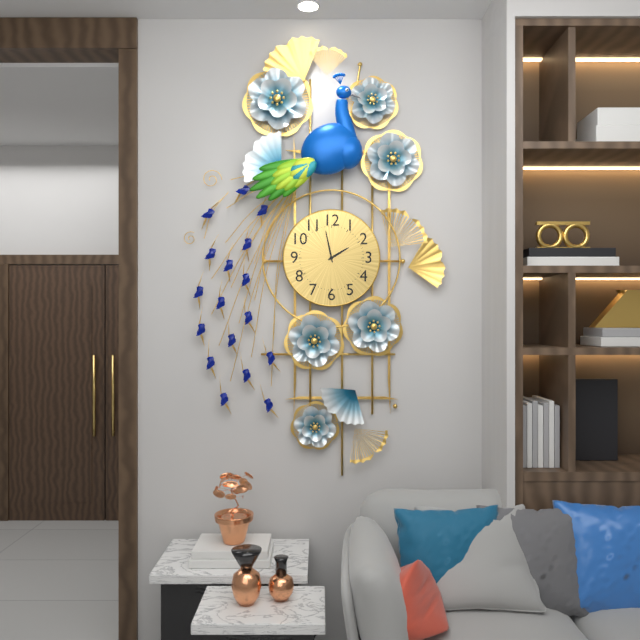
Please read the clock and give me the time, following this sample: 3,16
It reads 1,58
